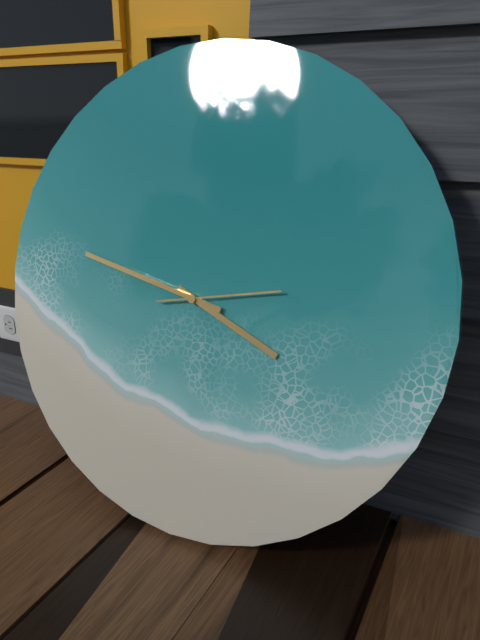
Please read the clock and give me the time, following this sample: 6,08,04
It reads 3,47,13
